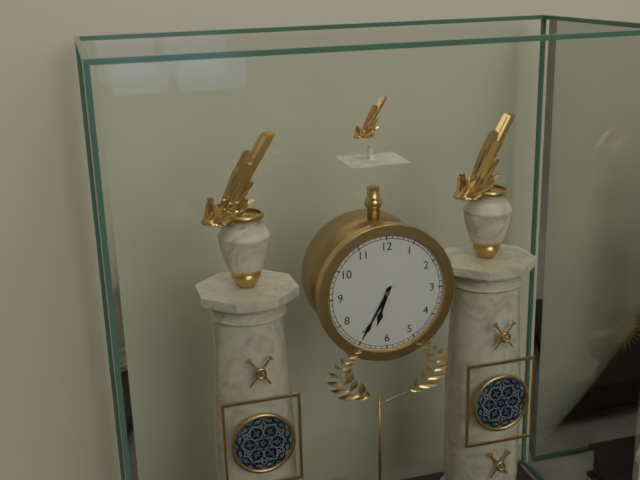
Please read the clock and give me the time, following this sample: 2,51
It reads 6,35
